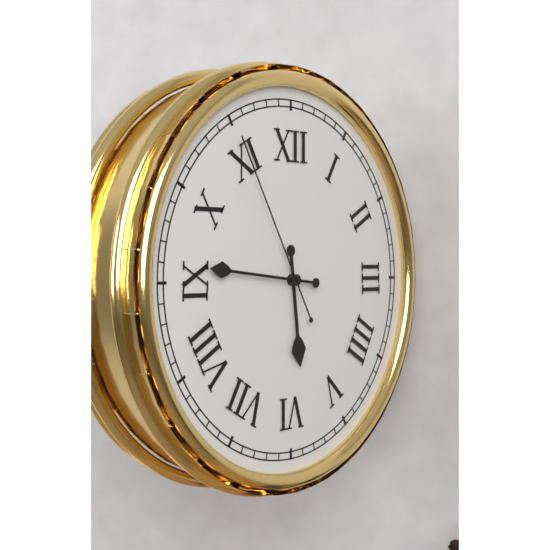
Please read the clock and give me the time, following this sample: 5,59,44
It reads 5,46,55
